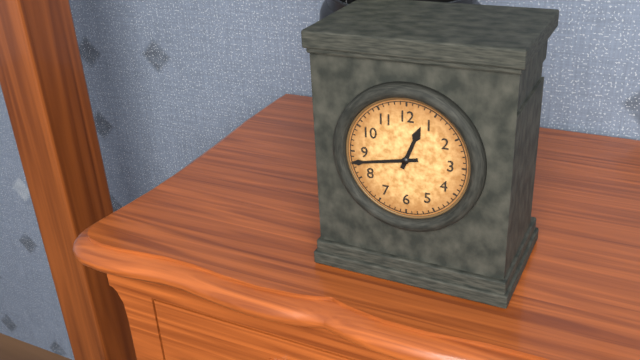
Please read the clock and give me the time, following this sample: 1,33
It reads 12,43
